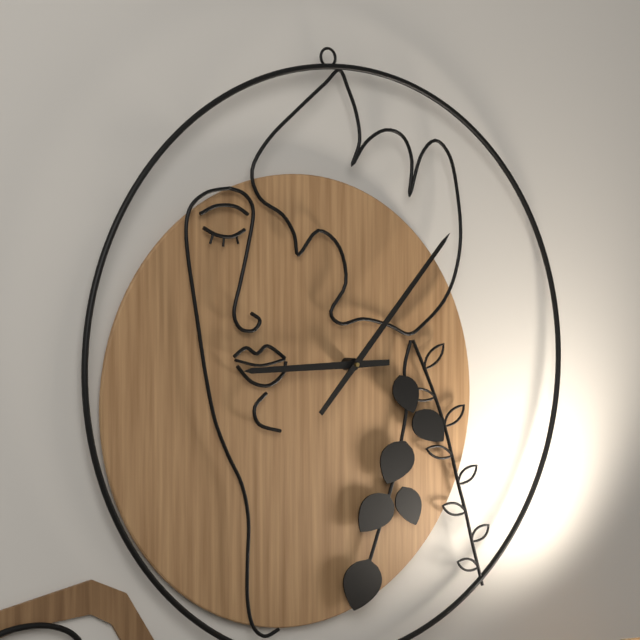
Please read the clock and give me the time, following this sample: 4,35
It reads 9,08
